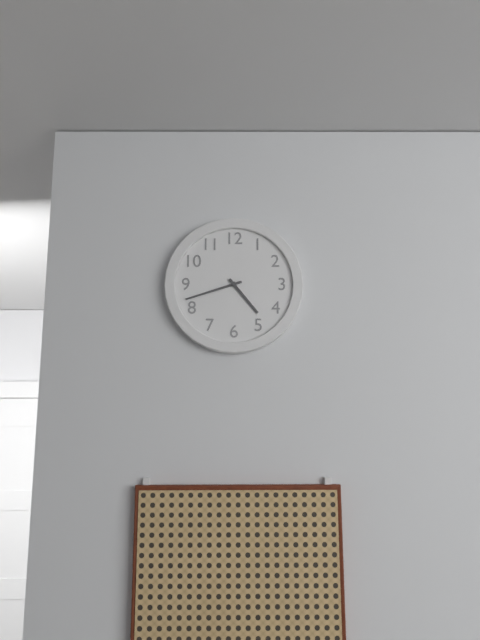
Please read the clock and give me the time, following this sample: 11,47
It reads 4,42
